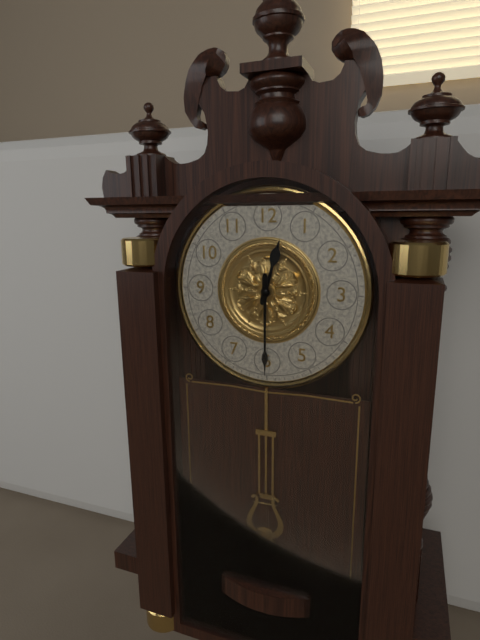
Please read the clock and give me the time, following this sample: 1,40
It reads 12,30
